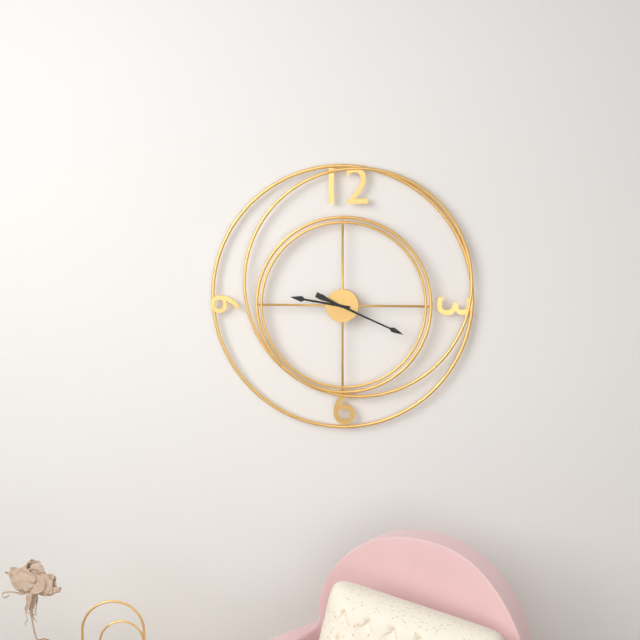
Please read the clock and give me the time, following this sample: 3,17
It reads 9,19
